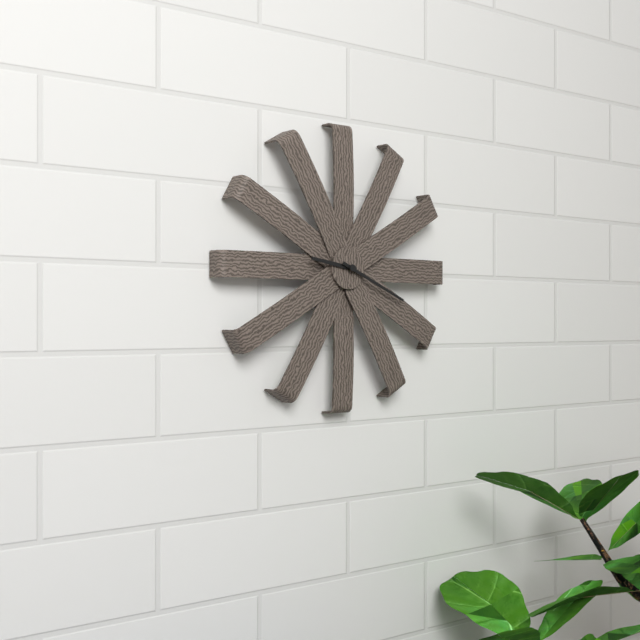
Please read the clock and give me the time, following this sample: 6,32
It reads 9,19
